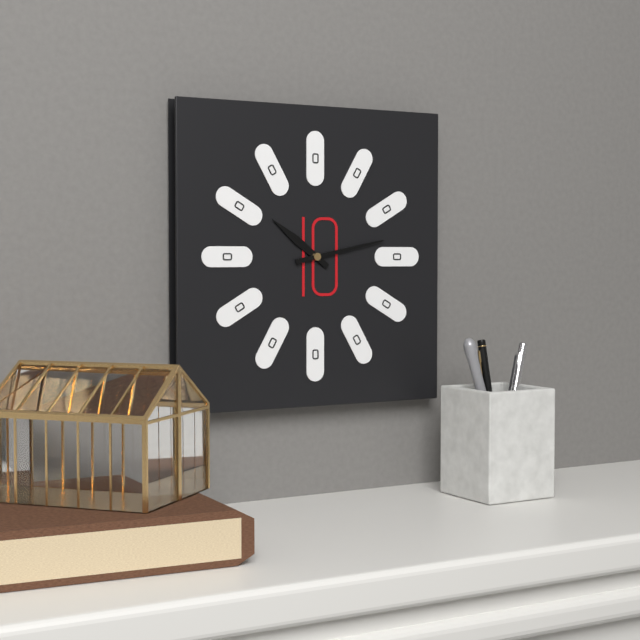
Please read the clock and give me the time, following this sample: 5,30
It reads 10,13
